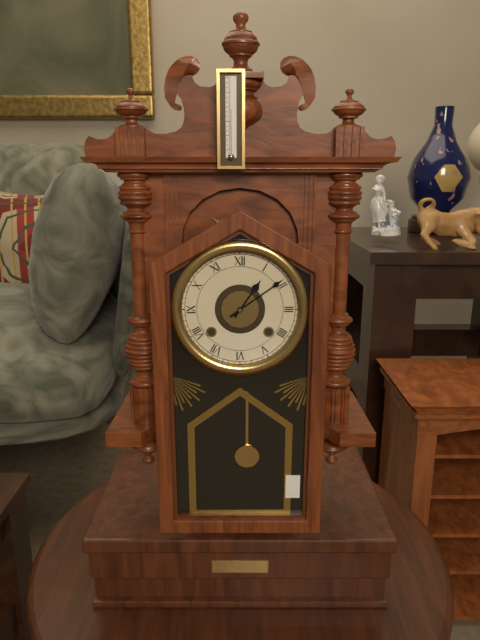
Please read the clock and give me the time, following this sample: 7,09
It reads 1,09
